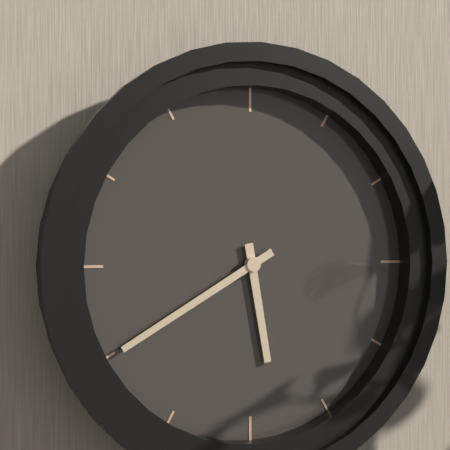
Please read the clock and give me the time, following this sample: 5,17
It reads 5,40
